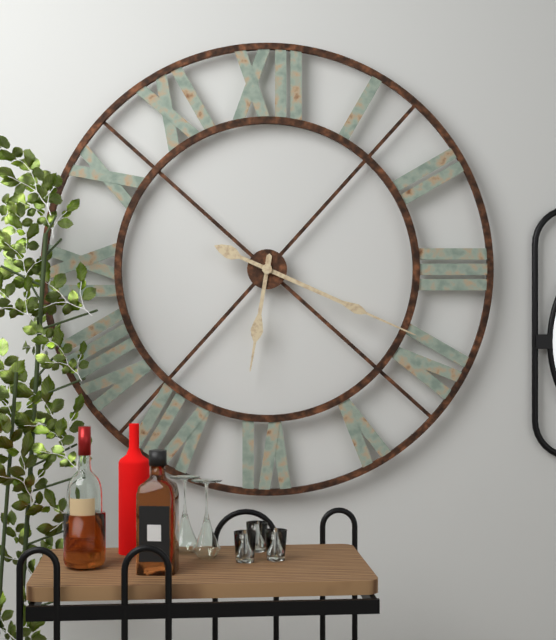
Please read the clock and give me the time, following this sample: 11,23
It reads 6,19
